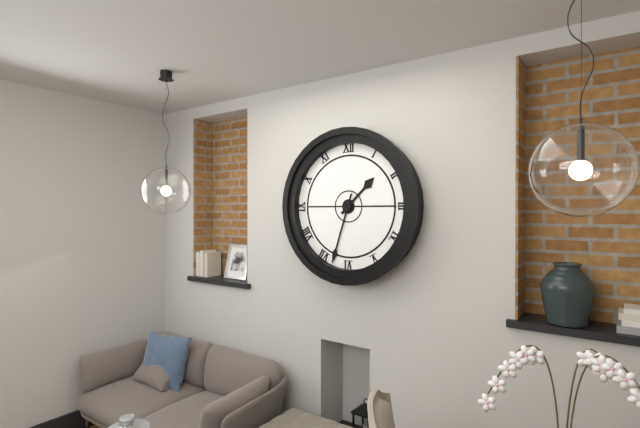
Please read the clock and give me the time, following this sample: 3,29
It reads 1,33
